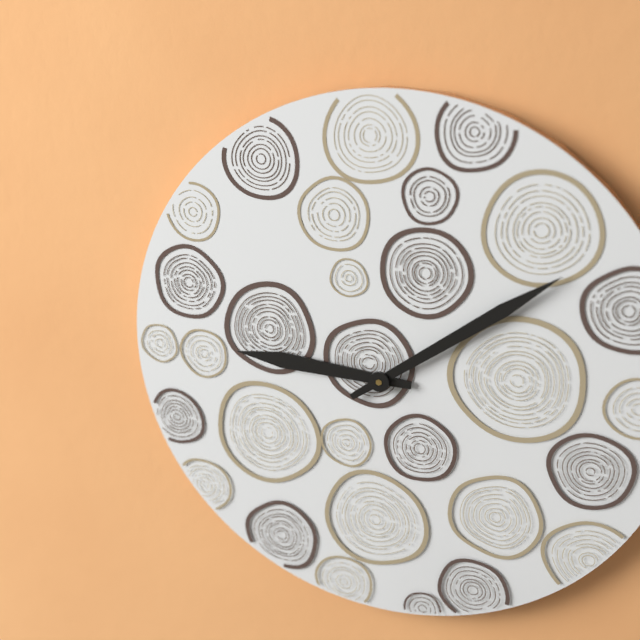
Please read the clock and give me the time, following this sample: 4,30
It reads 9,09
